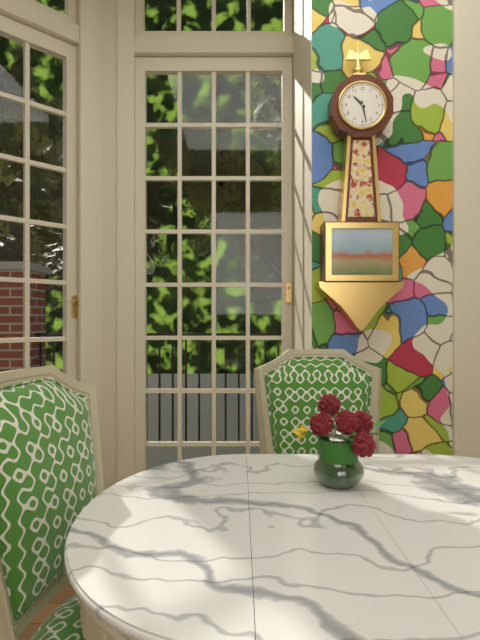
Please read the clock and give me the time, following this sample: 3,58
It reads 10,28
